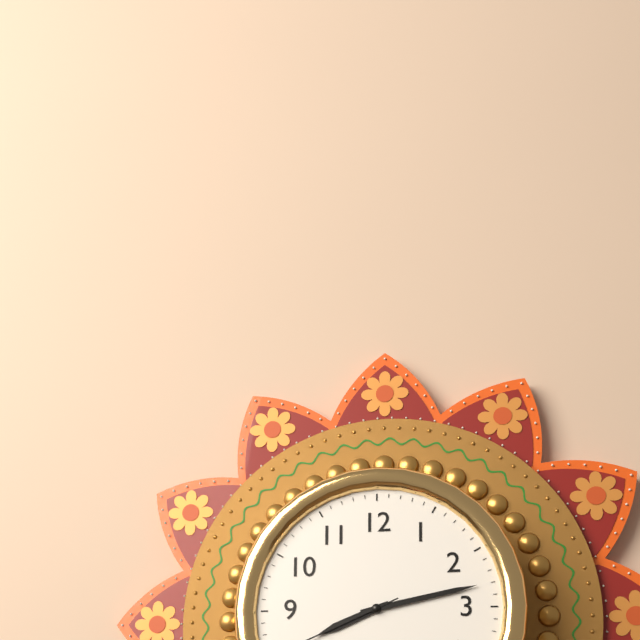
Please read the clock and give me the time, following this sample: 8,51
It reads 8,13
